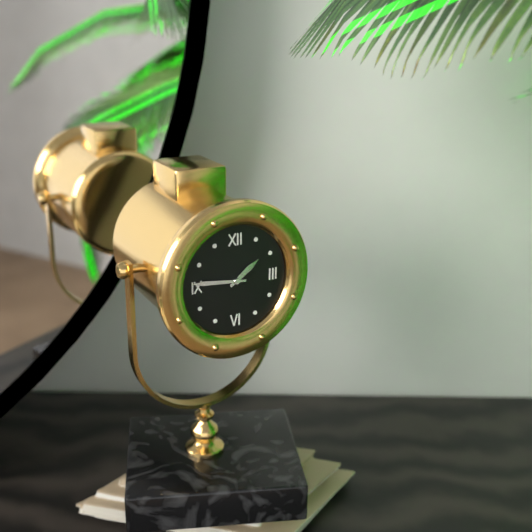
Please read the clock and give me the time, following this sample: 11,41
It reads 1,46
